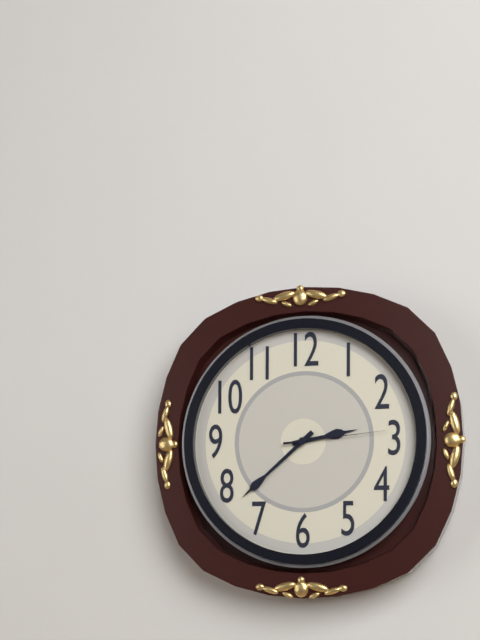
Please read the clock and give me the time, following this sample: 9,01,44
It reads 2,38,14
